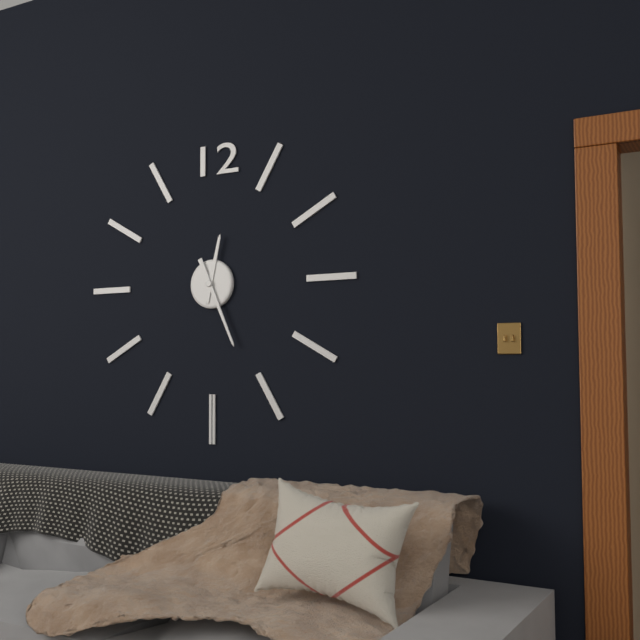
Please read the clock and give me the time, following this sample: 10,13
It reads 12,26
